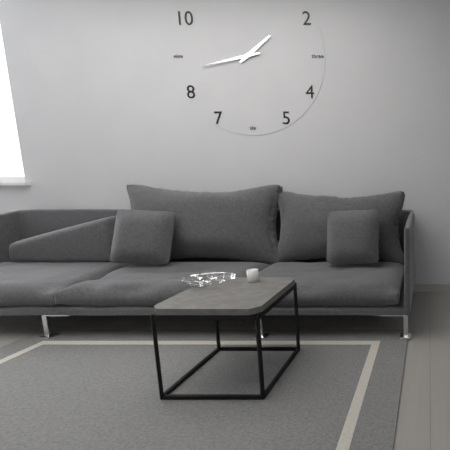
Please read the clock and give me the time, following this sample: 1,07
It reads 1,43
